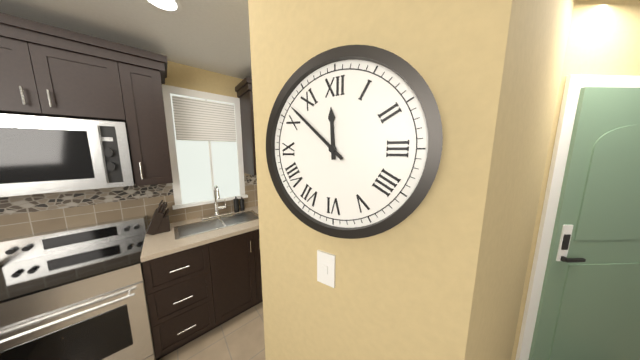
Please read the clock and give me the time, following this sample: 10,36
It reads 11,52
